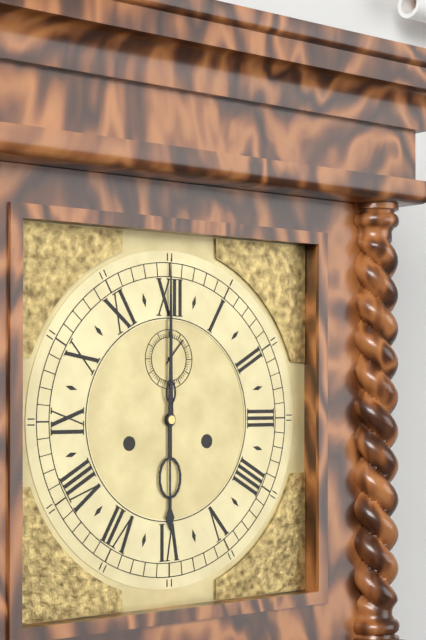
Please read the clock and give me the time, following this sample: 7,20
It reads 6,00
